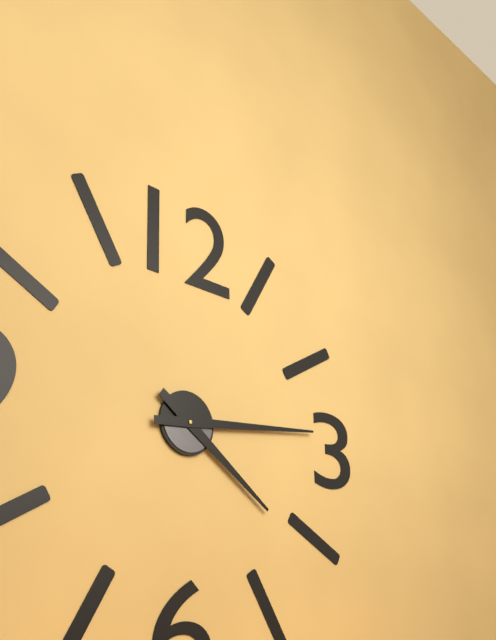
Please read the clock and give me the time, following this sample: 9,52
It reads 4,14
